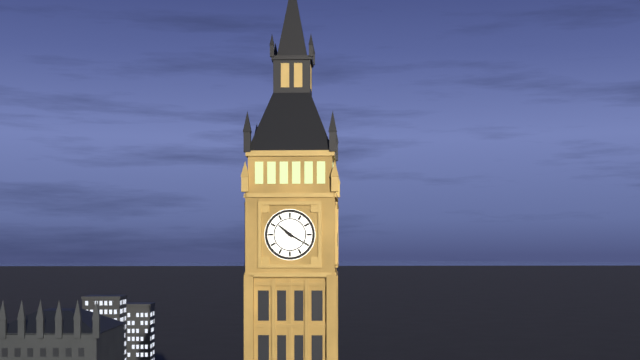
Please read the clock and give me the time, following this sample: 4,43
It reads 10,20
